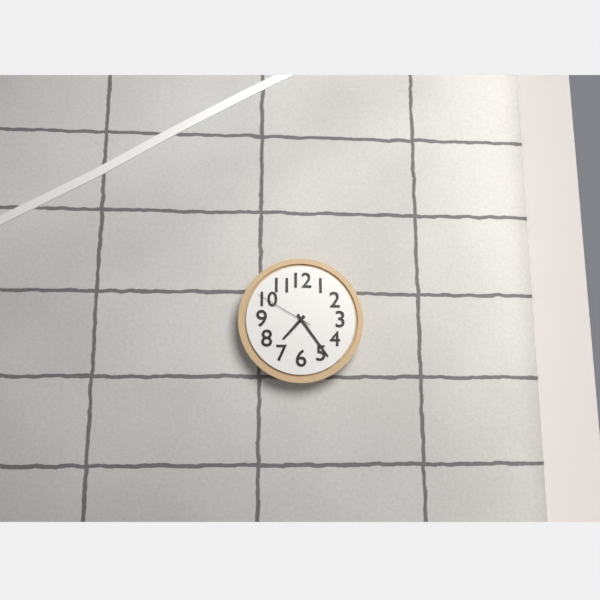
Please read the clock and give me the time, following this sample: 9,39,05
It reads 7,24,50
